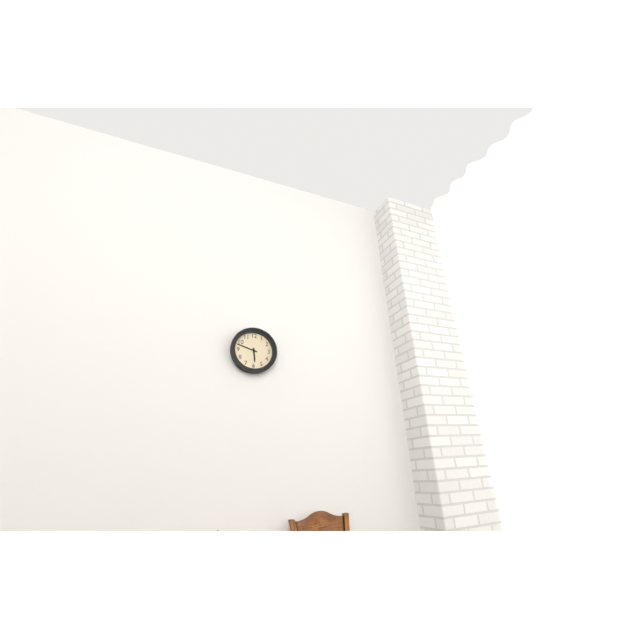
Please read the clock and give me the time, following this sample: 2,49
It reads 5,48
